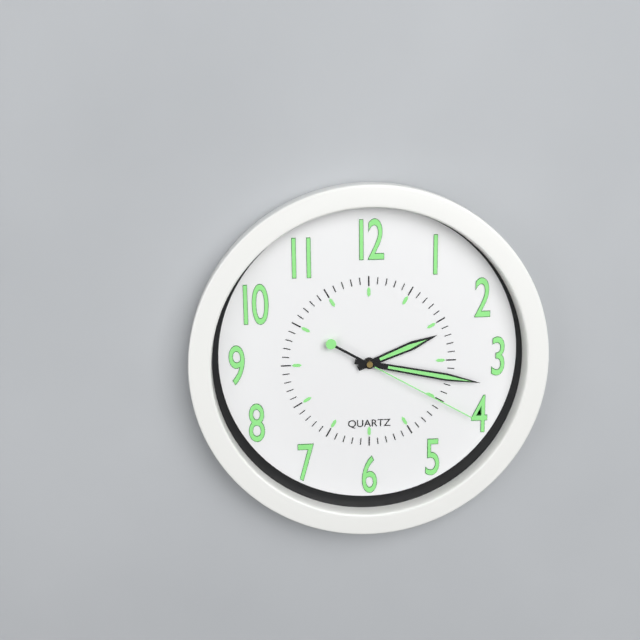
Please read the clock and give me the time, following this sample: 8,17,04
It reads 2,17,20
